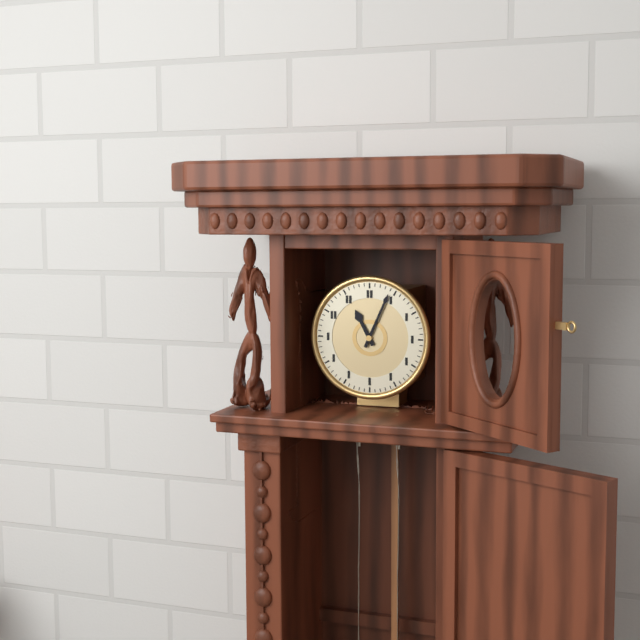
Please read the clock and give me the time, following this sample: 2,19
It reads 11,04
